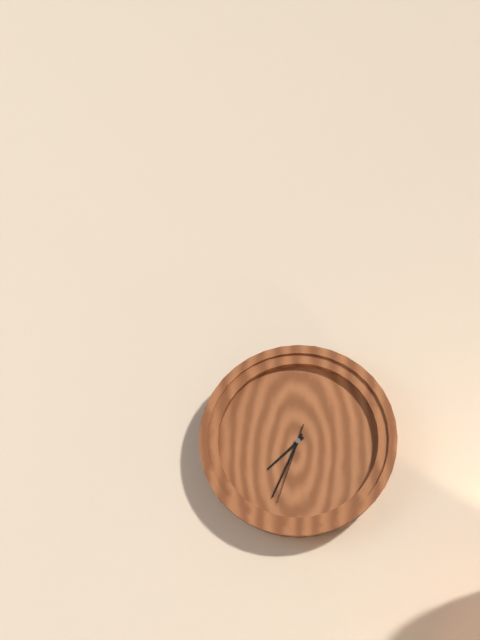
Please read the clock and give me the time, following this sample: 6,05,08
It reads 7,34,33
